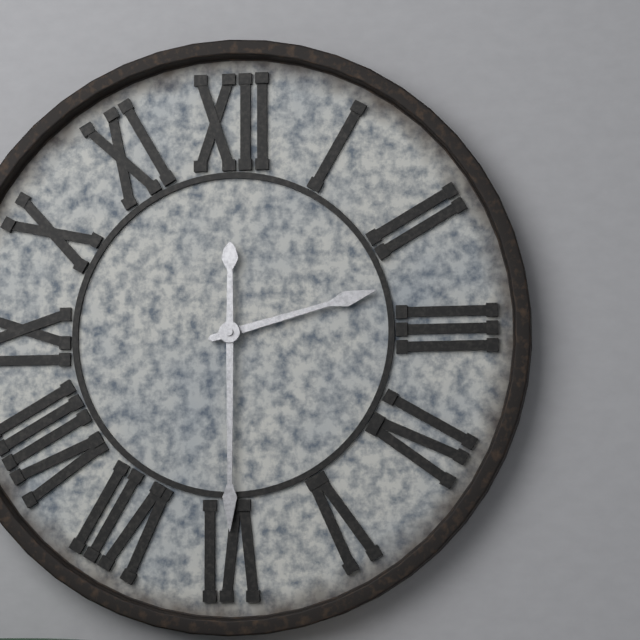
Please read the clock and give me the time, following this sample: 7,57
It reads 2,30
